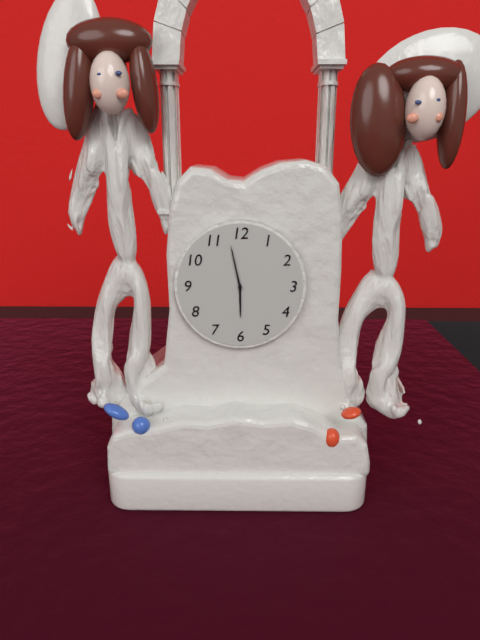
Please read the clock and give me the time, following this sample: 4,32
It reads 5,58
